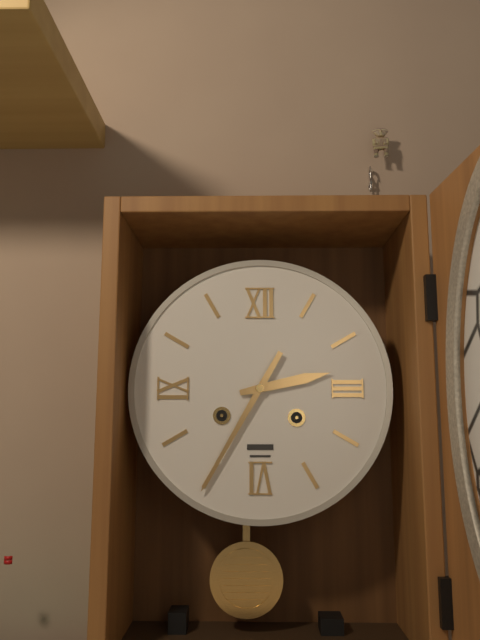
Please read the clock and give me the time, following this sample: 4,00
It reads 2,35
